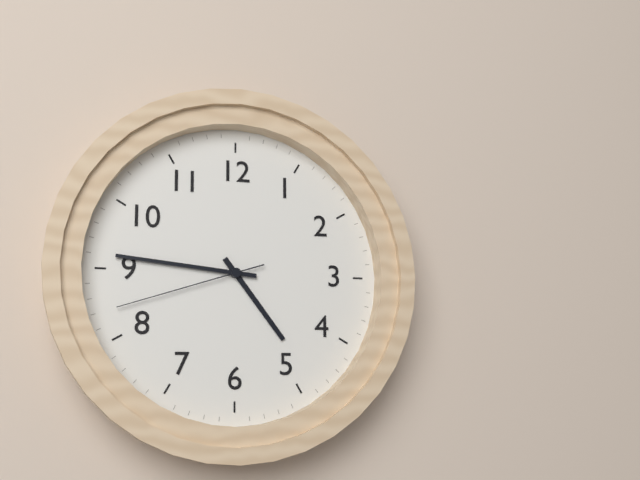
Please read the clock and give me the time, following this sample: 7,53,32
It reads 4,46,42
